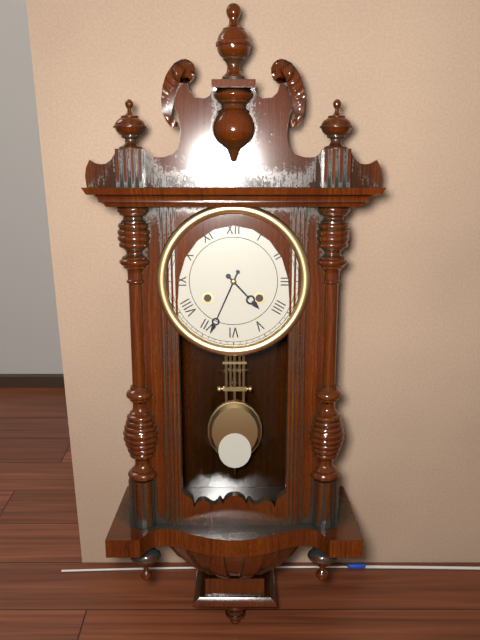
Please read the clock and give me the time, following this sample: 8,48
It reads 4,34
